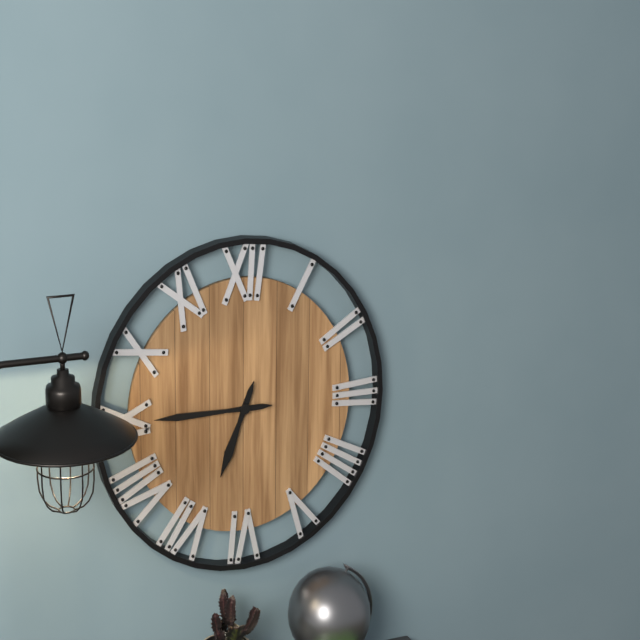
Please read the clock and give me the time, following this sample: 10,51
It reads 6,45
